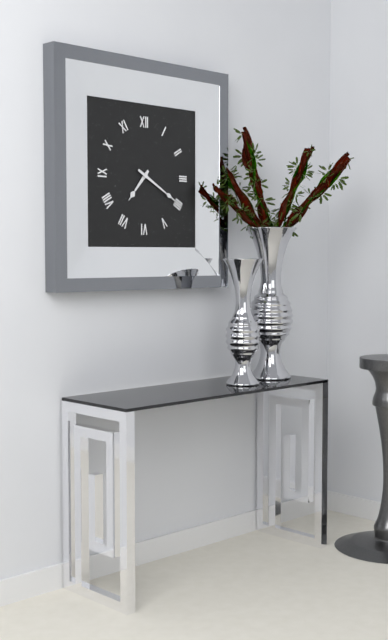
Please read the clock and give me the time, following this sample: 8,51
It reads 7,20
